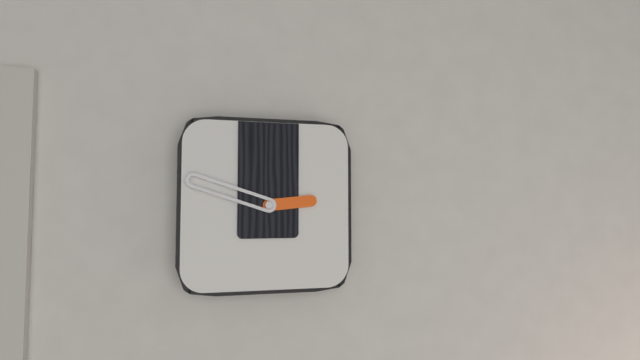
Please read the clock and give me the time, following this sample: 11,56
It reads 2,48
